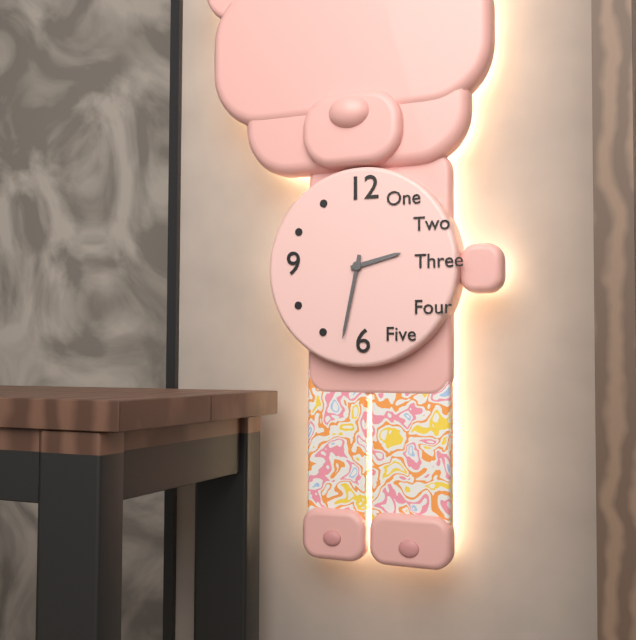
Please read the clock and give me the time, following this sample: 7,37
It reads 2,32
